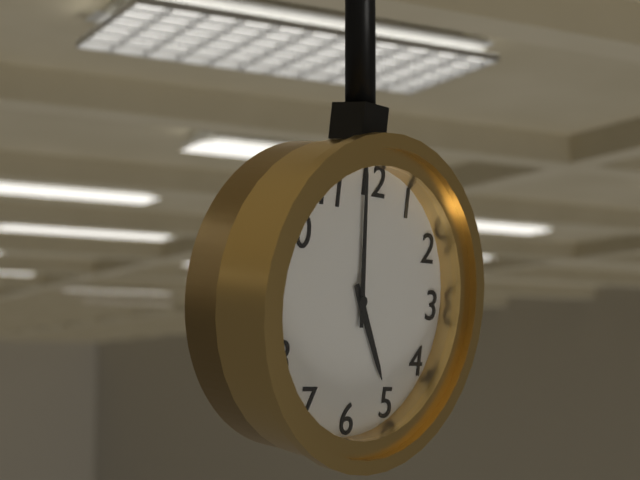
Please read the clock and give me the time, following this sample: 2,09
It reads 4,59
